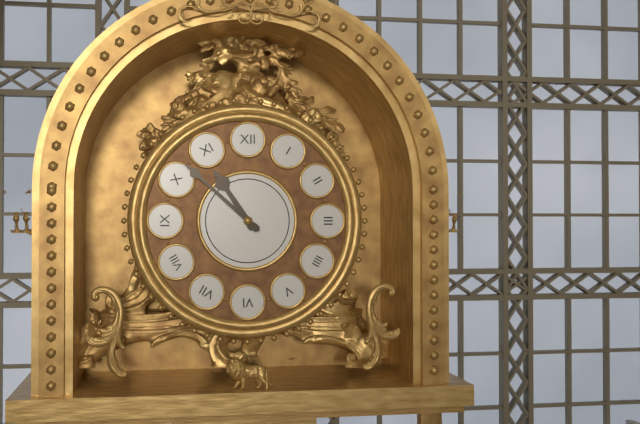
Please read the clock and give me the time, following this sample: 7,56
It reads 10,52
